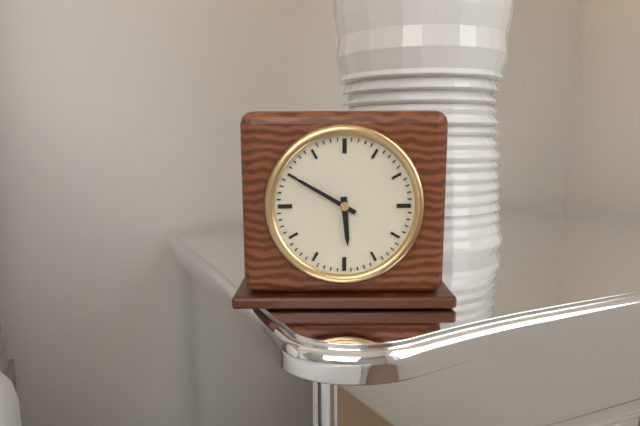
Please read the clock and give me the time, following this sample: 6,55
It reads 5,50
